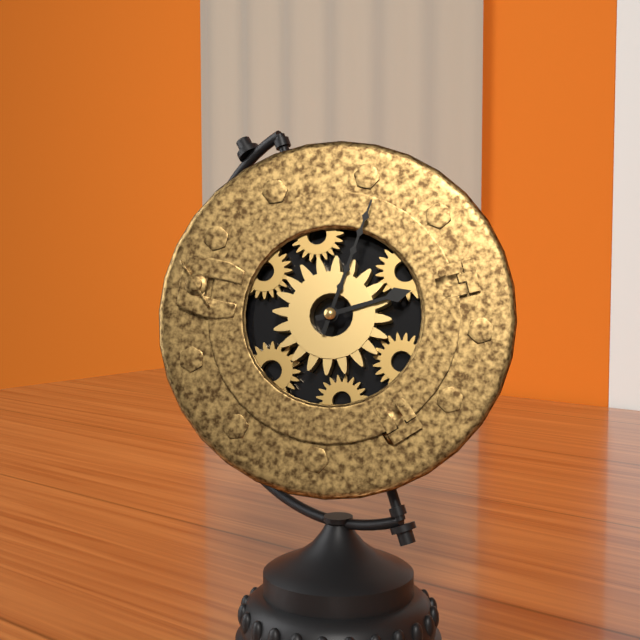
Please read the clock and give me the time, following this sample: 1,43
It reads 2,01
